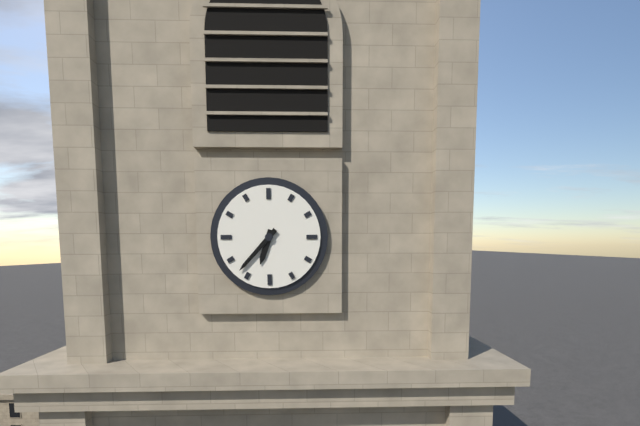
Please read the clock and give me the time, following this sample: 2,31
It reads 6,37
